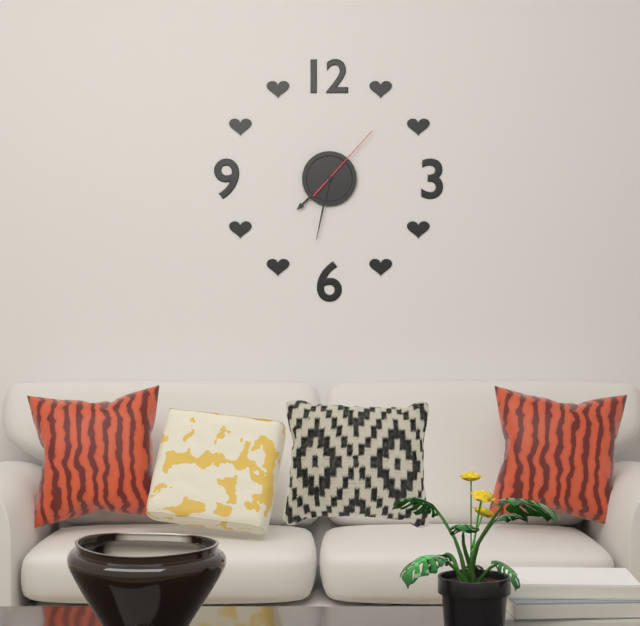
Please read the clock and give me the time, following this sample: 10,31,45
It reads 7,32,07
